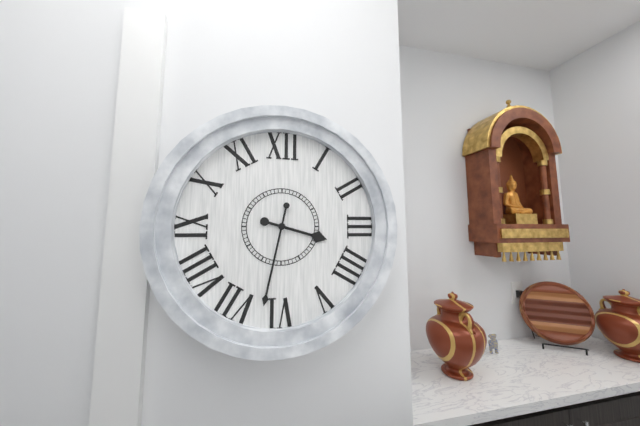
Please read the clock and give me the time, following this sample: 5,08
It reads 3,32
